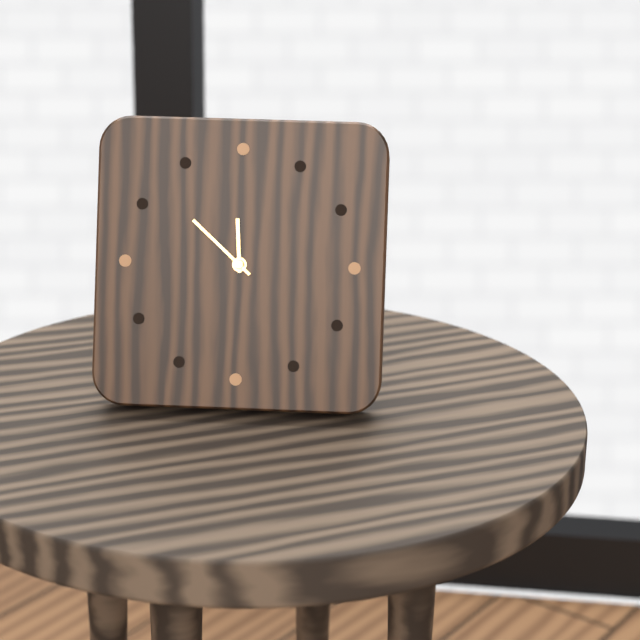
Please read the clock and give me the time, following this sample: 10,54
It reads 11,52
